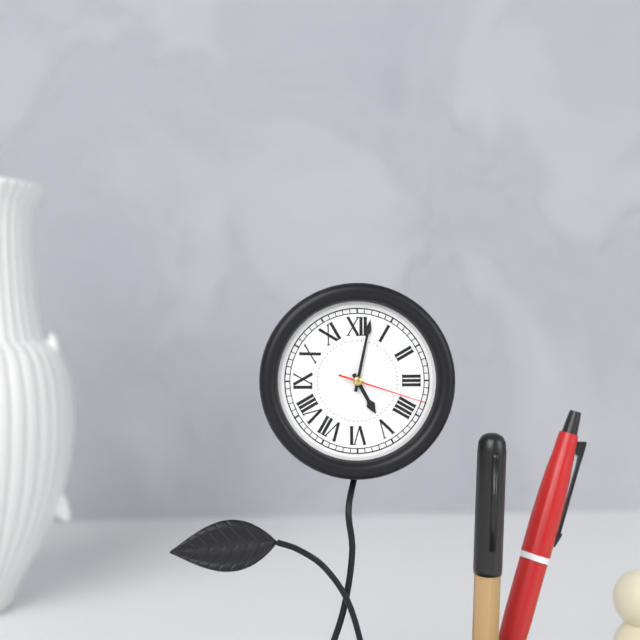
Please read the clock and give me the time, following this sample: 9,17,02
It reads 5,02,18
